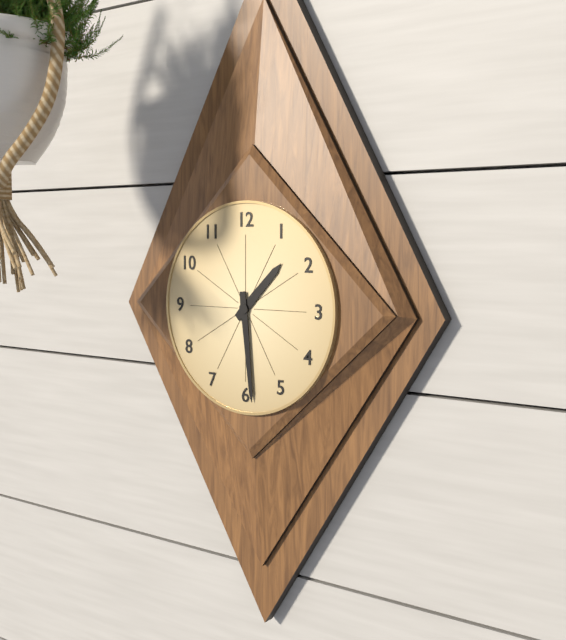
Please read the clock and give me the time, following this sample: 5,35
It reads 1,29
